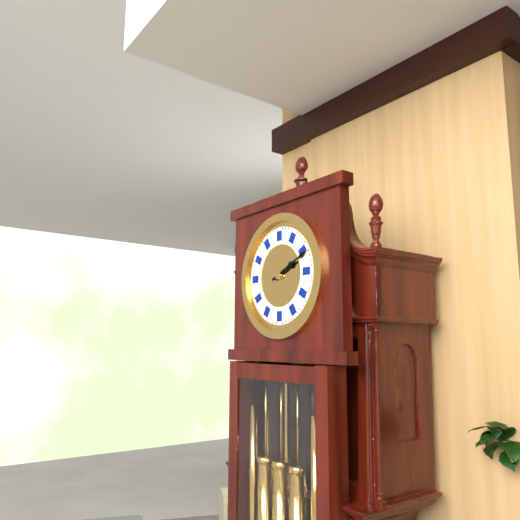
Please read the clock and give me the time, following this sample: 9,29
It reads 2,11
